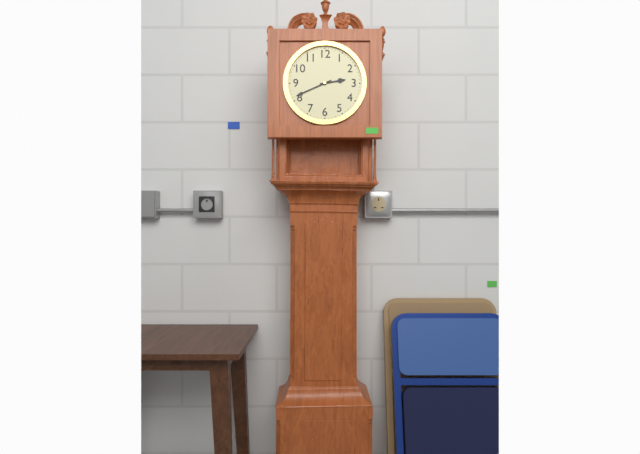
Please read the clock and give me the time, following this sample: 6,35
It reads 2,41
